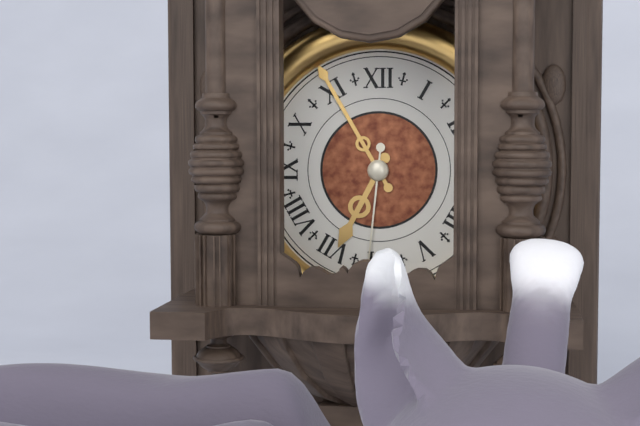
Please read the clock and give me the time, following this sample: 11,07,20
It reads 6,55,31
